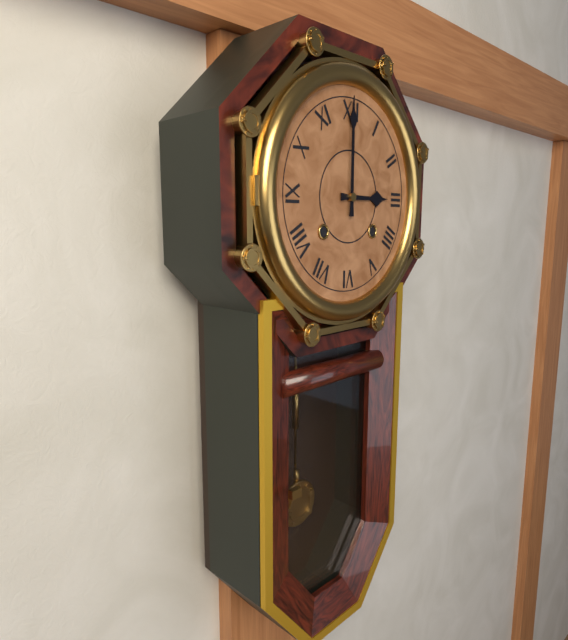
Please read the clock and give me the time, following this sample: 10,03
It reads 3,00
